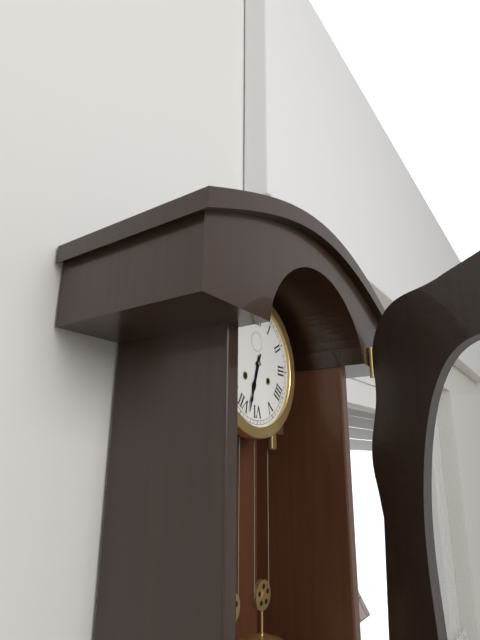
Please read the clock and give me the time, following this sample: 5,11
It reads 6,33
